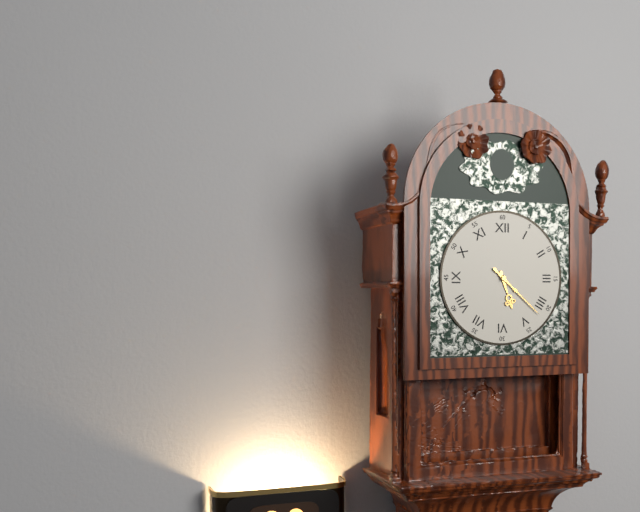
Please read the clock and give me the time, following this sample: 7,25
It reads 5,22
